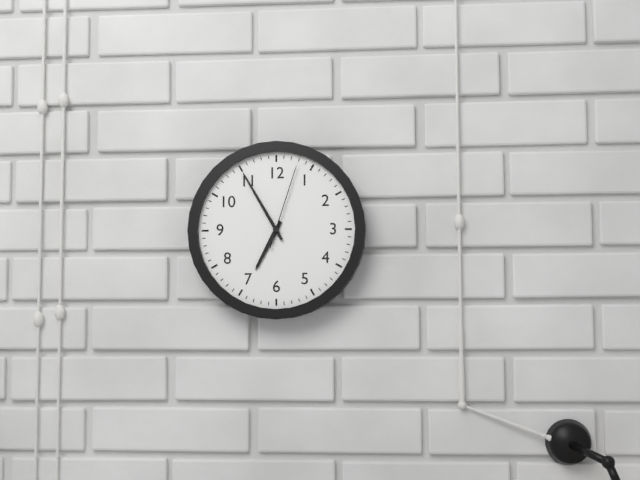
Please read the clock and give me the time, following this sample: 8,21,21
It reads 6,55,03
